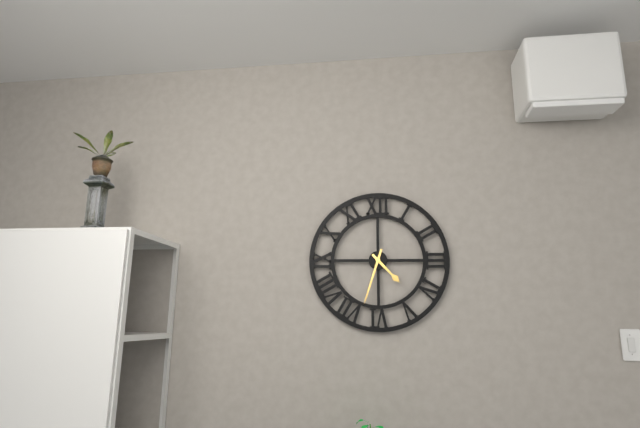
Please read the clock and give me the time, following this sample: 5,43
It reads 4,33
